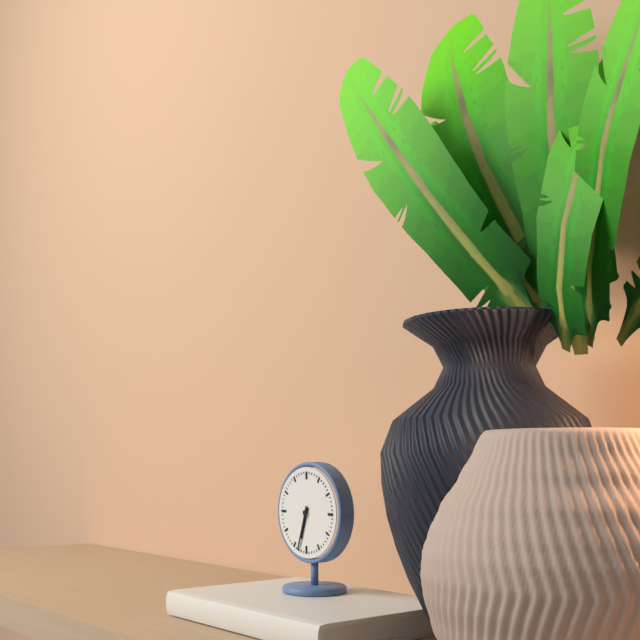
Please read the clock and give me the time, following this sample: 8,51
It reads 6,33
